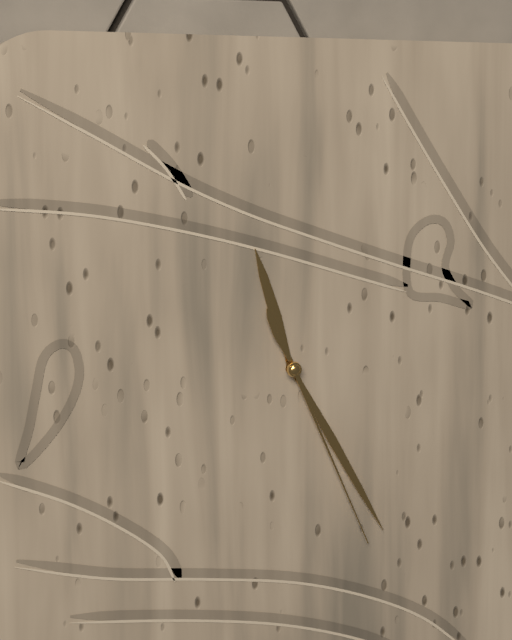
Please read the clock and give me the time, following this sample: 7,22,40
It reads 11,25,26
